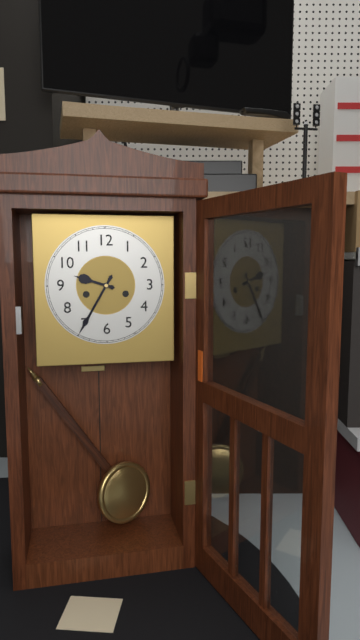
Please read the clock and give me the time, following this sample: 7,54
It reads 9,35
